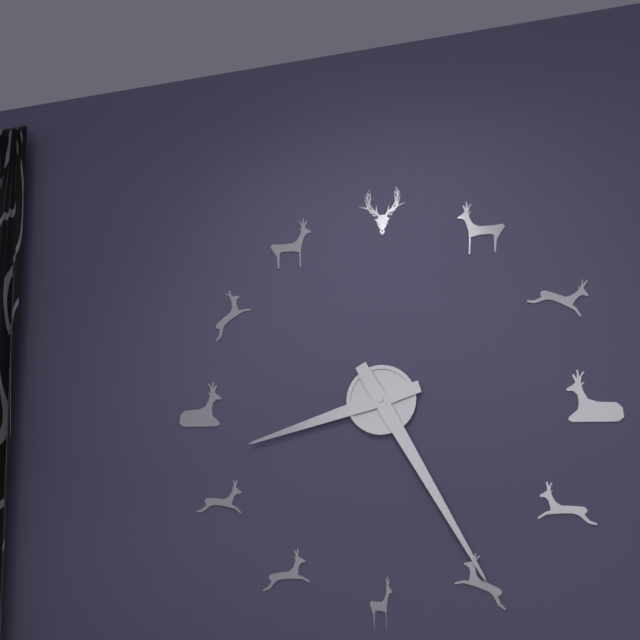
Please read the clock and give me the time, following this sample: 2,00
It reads 8,25
